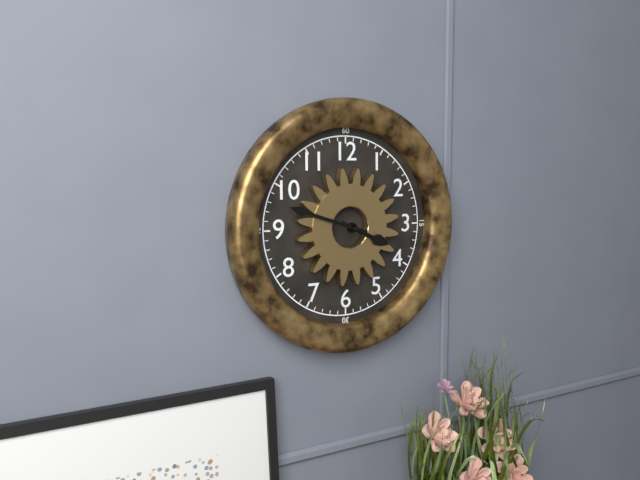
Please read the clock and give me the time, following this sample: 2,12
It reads 3,48
